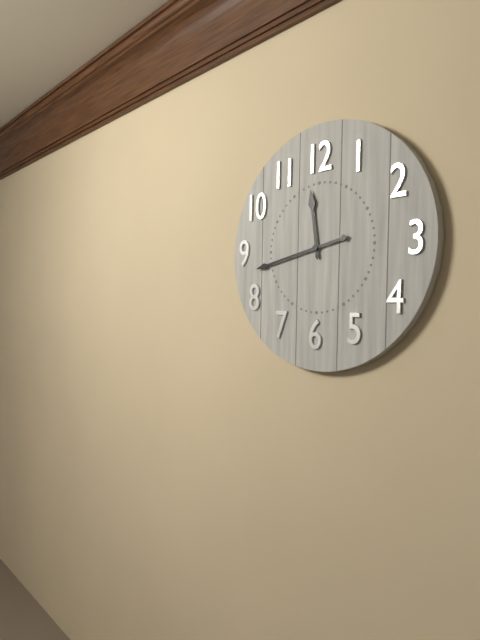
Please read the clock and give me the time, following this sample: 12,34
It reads 11,43
